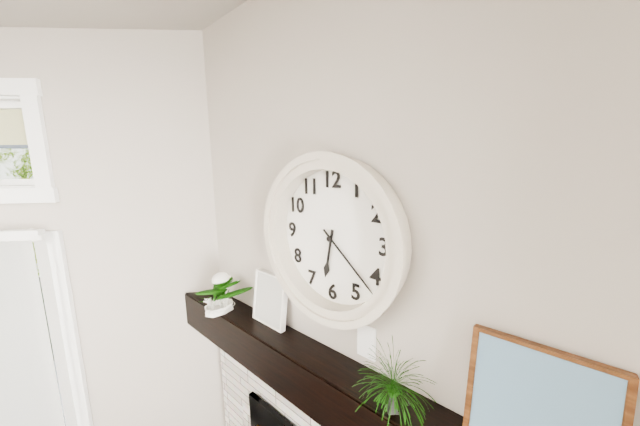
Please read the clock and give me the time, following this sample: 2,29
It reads 6,22
